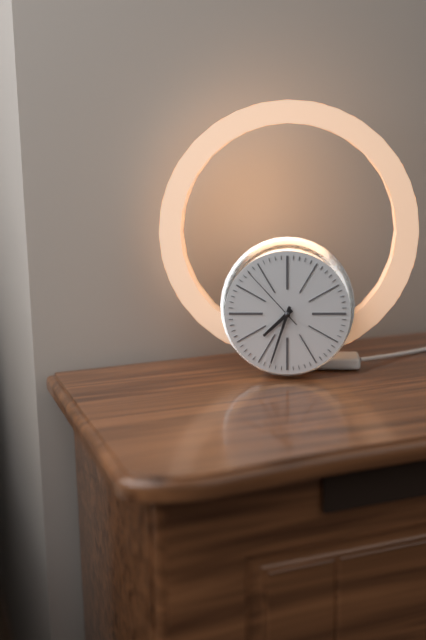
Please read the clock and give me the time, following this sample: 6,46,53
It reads 7,33,53
